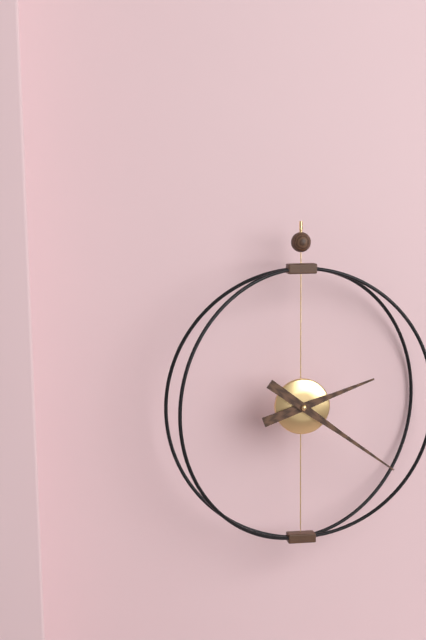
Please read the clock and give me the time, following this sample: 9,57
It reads 2,21
